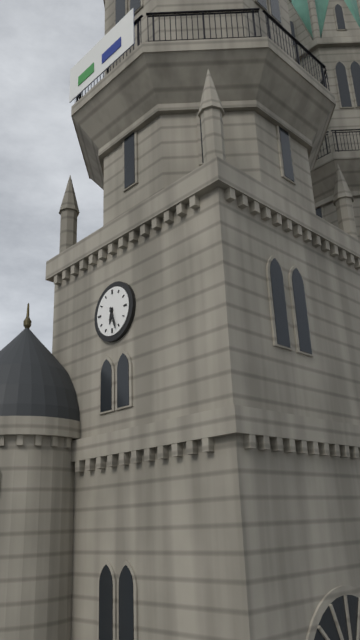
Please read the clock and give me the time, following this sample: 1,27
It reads 6,27
